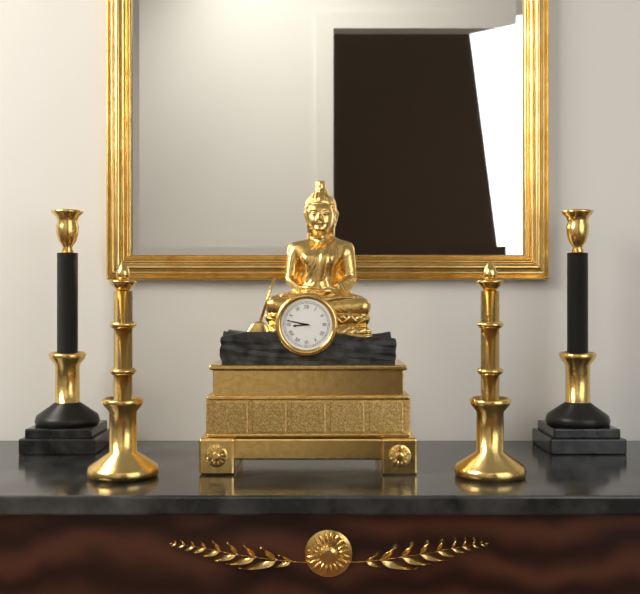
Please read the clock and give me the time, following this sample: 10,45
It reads 8,47
